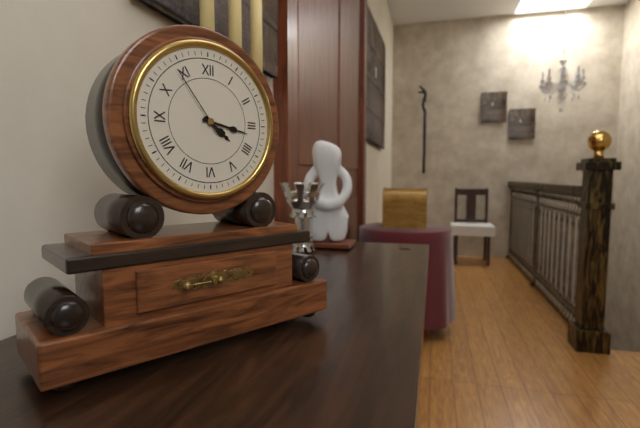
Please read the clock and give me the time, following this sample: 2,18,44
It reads 4,17,54
